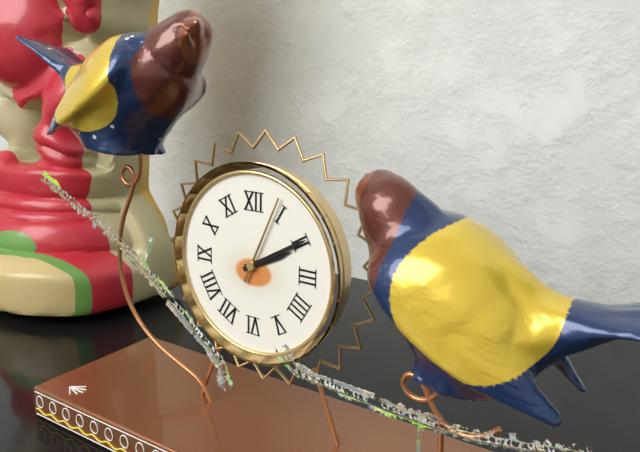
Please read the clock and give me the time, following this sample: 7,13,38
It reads 2,10,04
